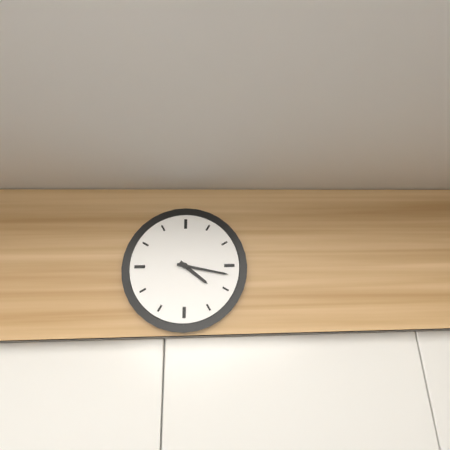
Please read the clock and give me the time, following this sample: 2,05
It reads 4,17
